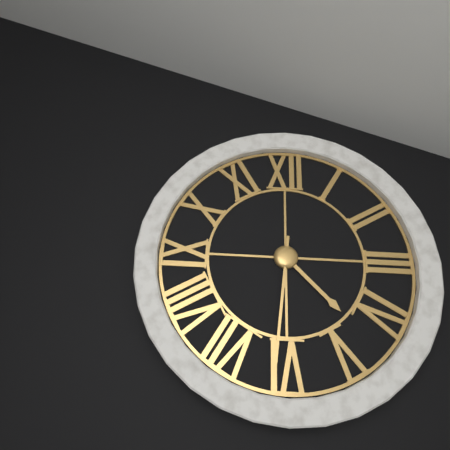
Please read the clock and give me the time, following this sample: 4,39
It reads 4,31
